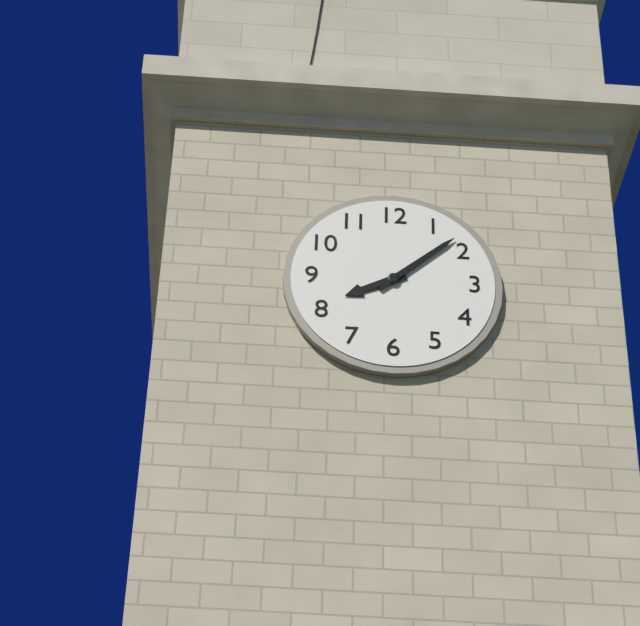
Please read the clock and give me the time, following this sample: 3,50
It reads 8,08
